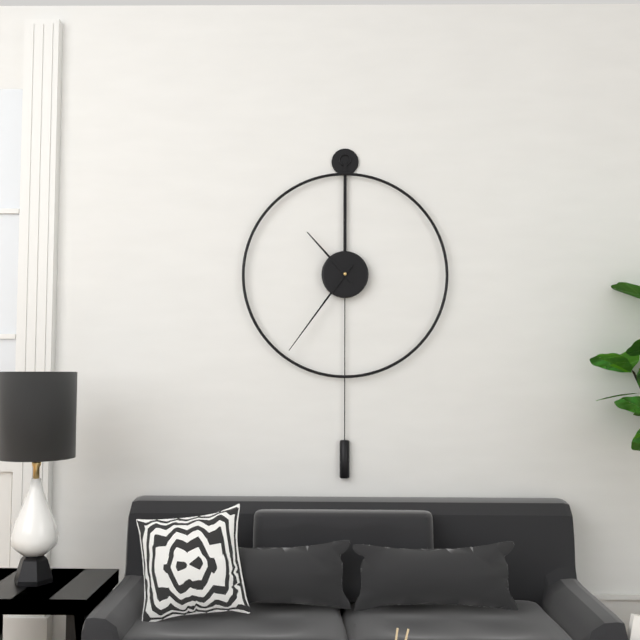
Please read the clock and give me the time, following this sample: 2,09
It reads 10,36
